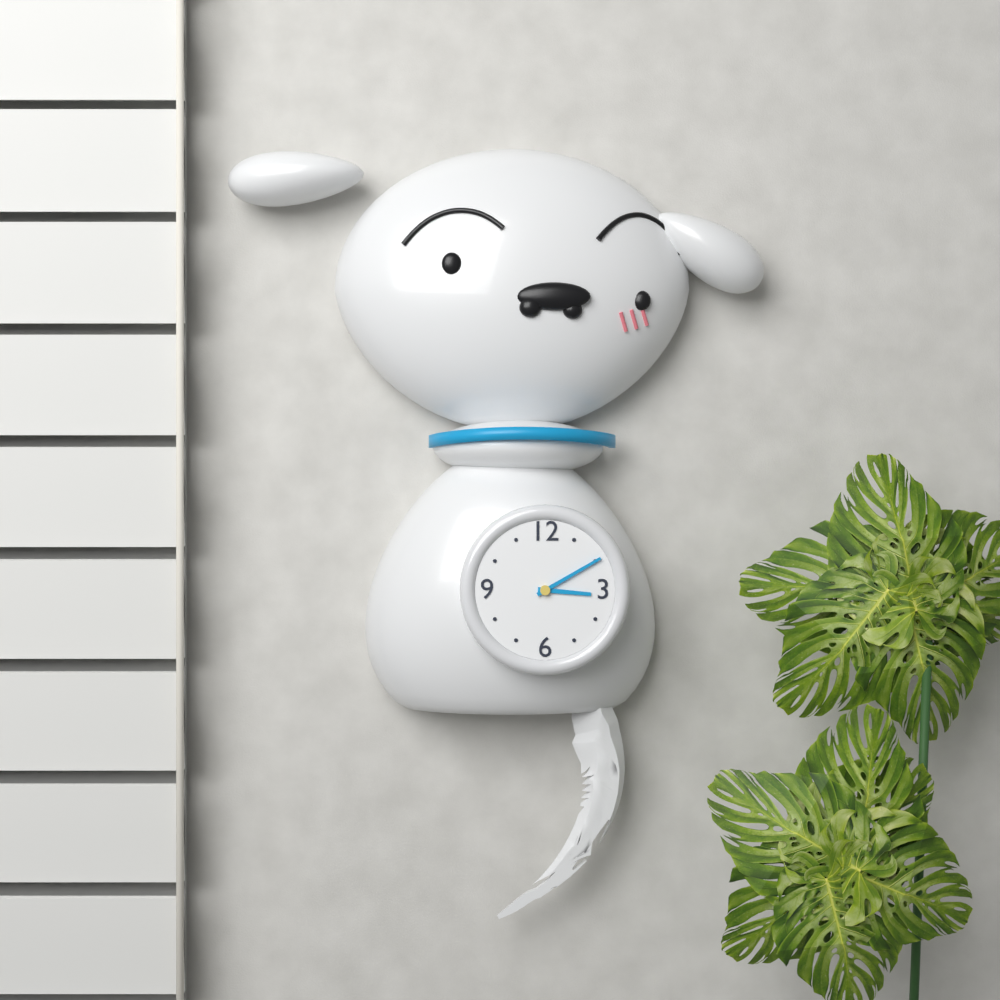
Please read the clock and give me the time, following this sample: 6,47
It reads 3,10
